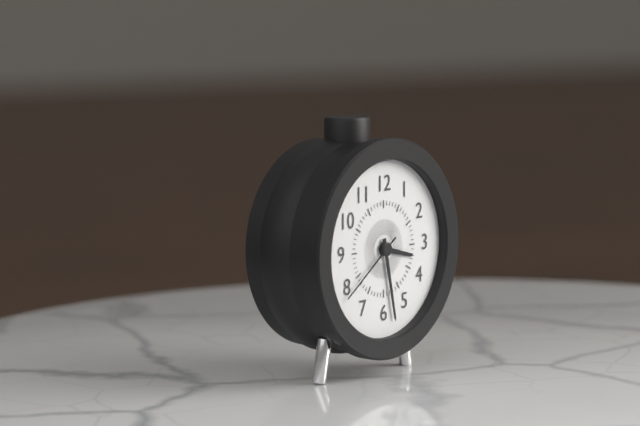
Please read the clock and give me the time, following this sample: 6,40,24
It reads 3,28,39
